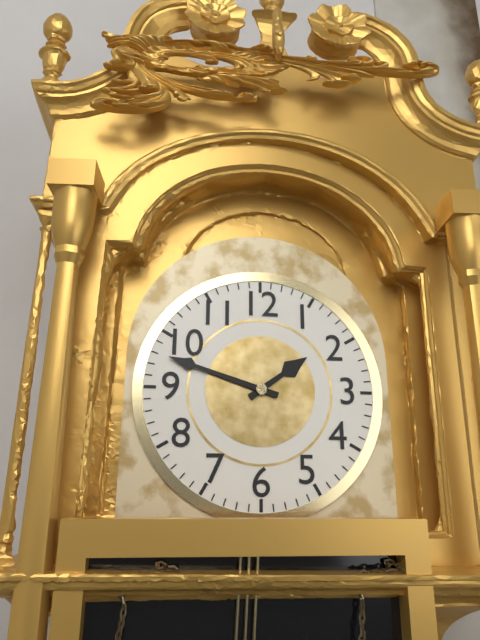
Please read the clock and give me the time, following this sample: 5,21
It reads 1,48
